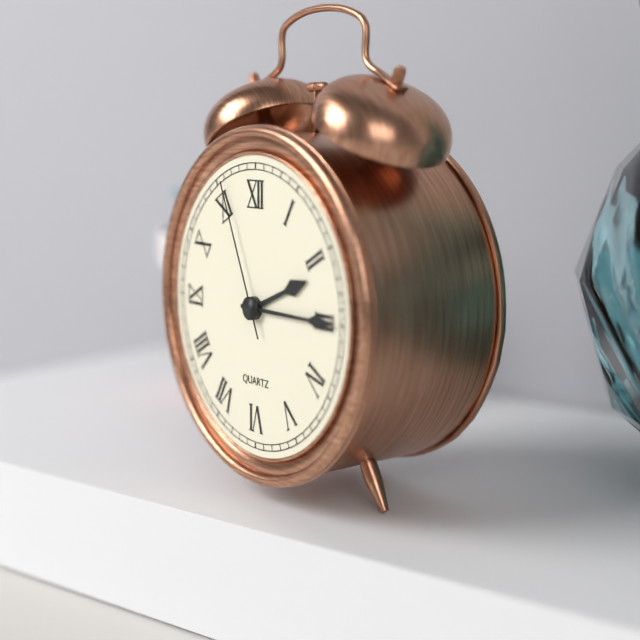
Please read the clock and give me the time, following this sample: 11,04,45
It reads 2,15,56
